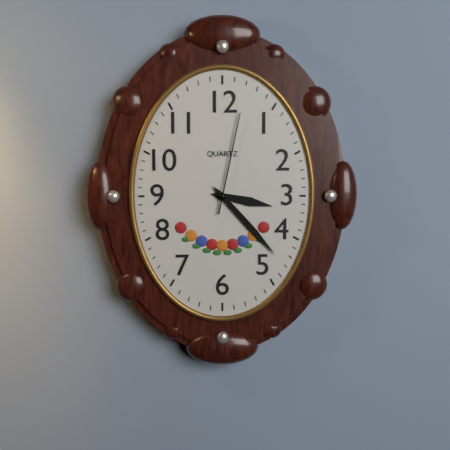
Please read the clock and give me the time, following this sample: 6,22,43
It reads 3,23,02
